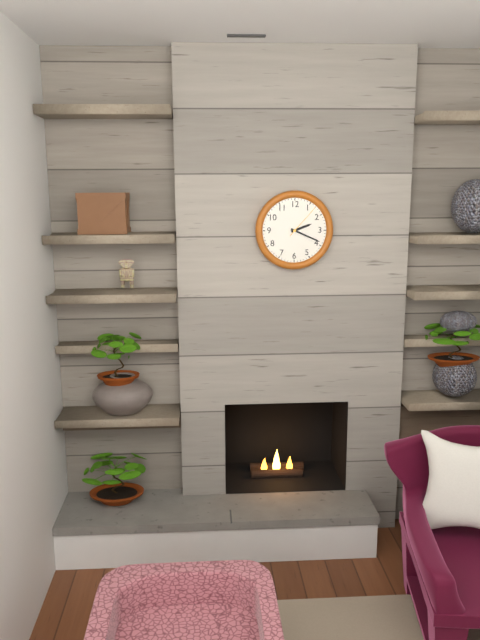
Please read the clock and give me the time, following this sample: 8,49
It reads 2,19
